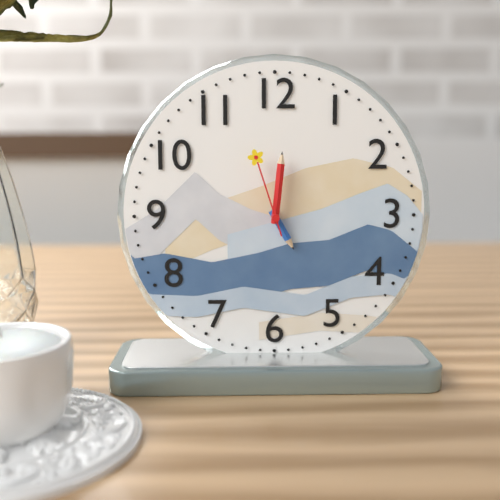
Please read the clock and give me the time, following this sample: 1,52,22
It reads 5,01,57
